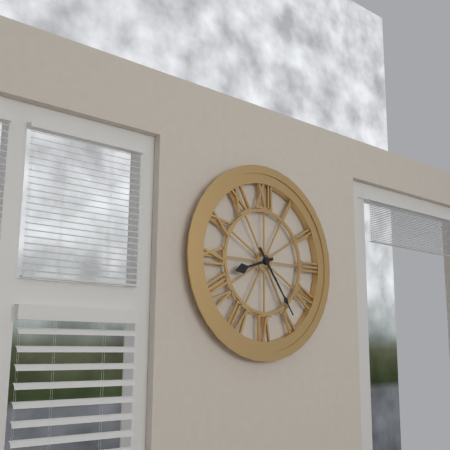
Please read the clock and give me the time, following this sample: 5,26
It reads 8,24
